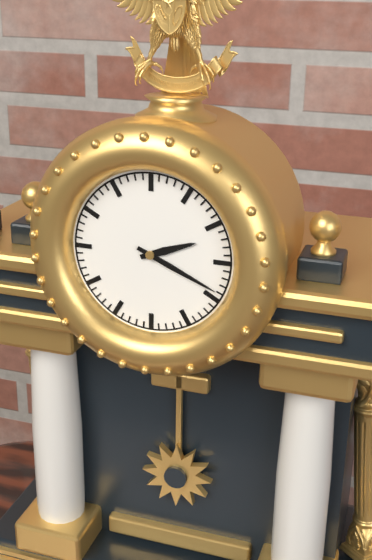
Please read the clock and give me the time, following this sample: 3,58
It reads 2,19
